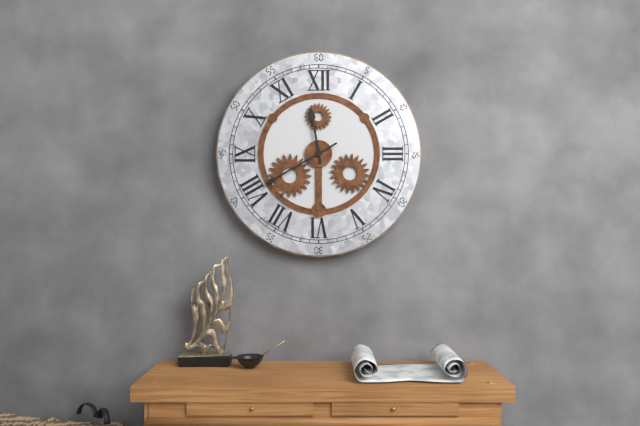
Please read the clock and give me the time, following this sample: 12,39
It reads 11,40
